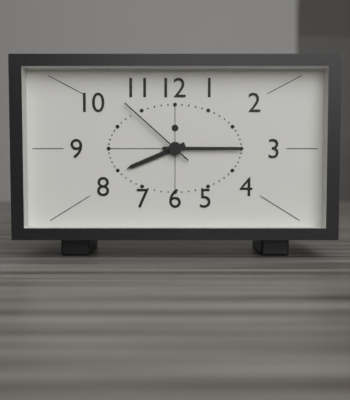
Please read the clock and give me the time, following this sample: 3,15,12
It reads 8,15,52
